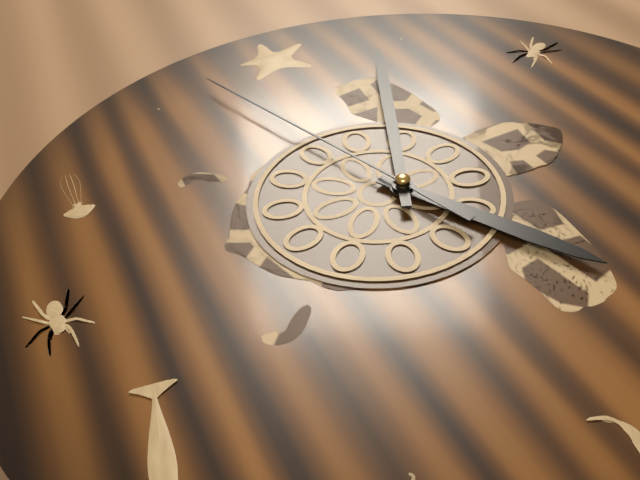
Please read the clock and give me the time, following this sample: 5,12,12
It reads 5,04,57
